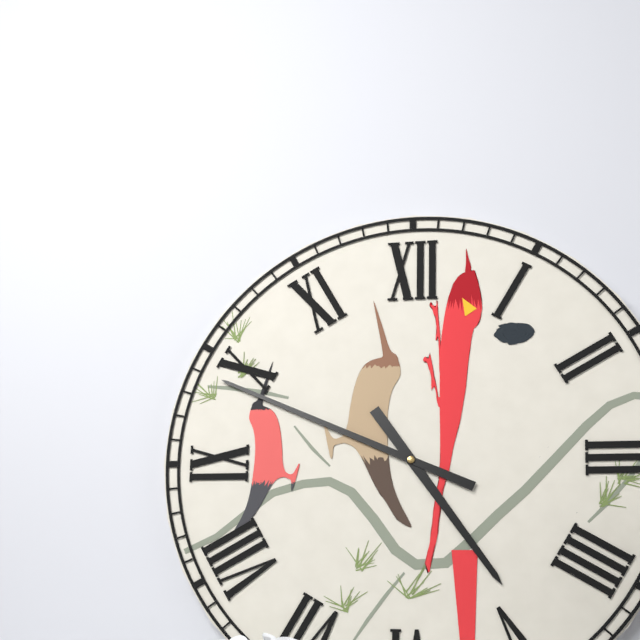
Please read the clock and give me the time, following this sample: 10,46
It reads 4,49
